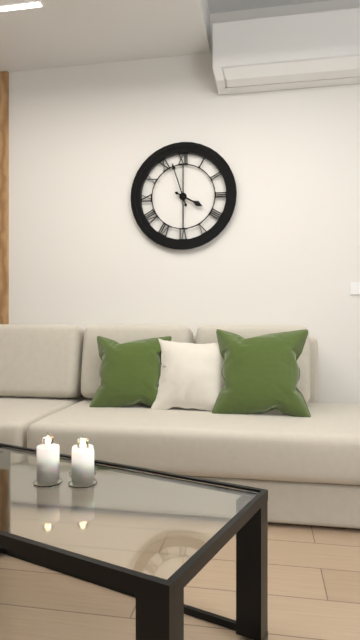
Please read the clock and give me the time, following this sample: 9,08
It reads 3,57
